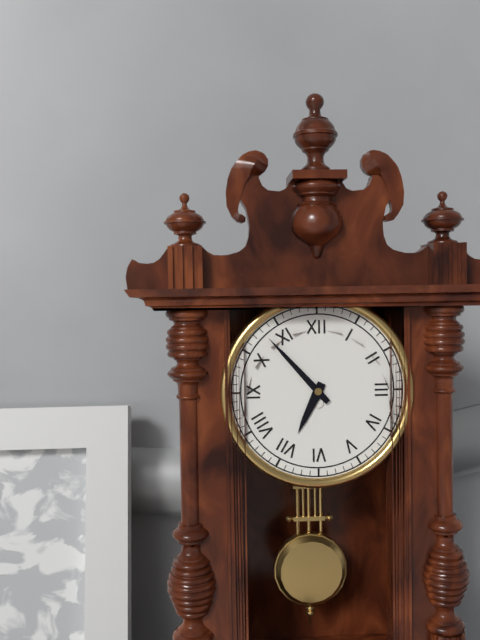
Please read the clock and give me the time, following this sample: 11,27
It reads 6,53
